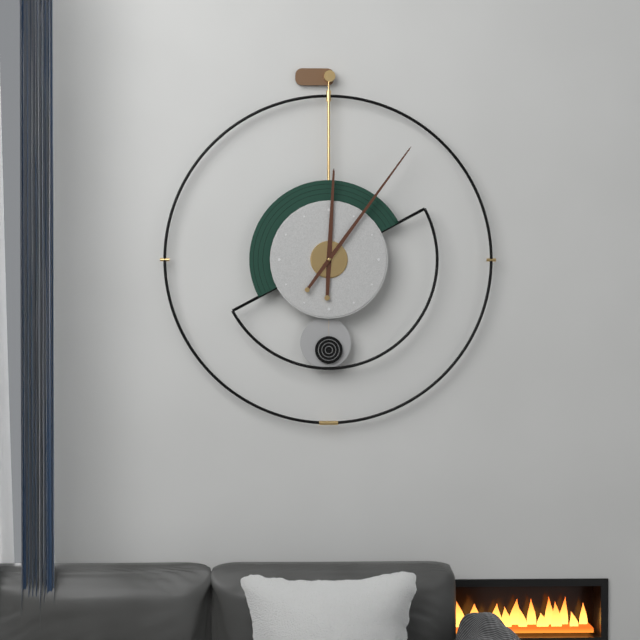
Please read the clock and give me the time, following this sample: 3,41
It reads 12,06
